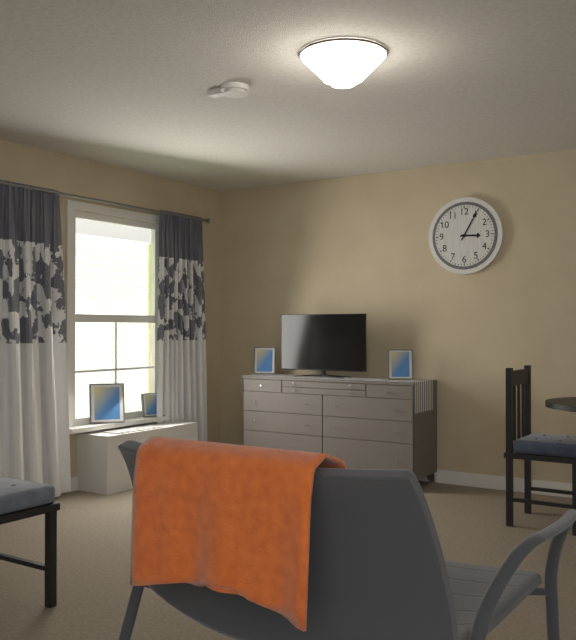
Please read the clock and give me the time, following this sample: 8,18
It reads 3,05
